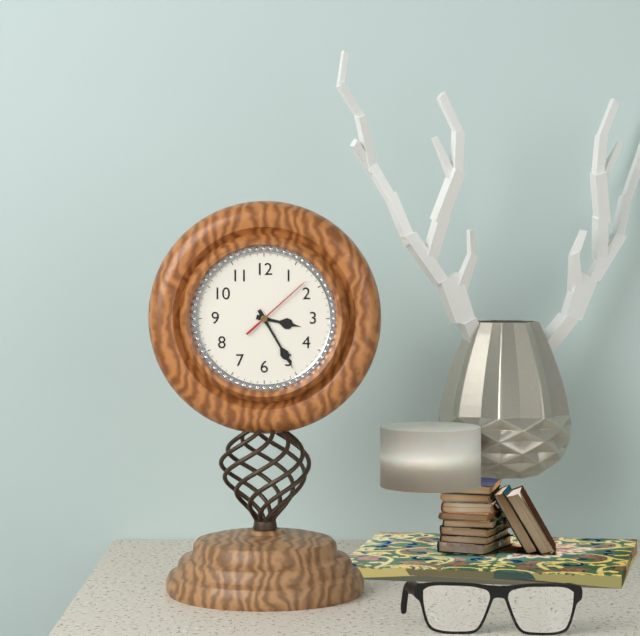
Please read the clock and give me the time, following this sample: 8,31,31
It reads 3,25,08
